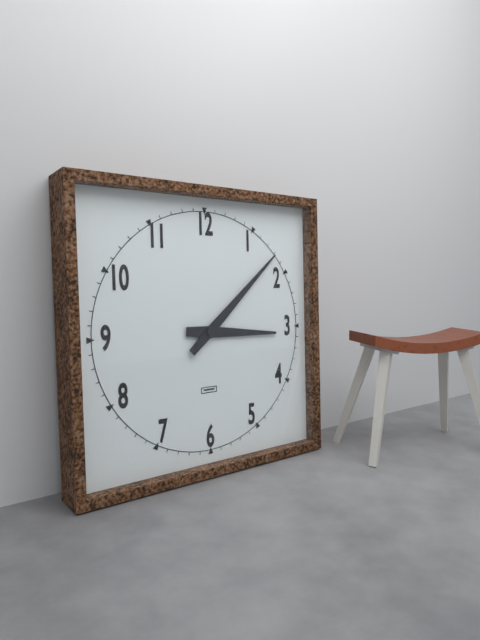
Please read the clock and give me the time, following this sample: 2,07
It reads 3,08
